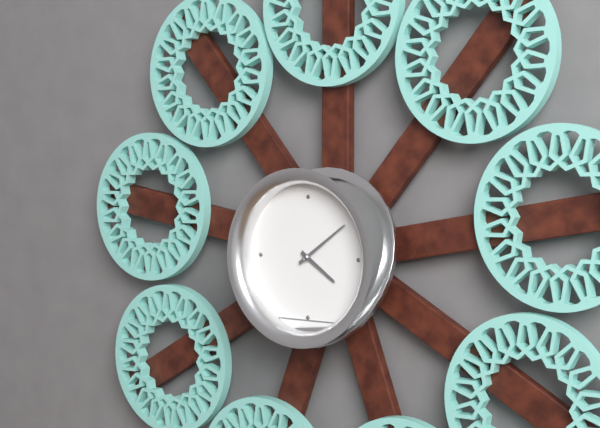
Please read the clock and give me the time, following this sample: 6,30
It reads 4,09
